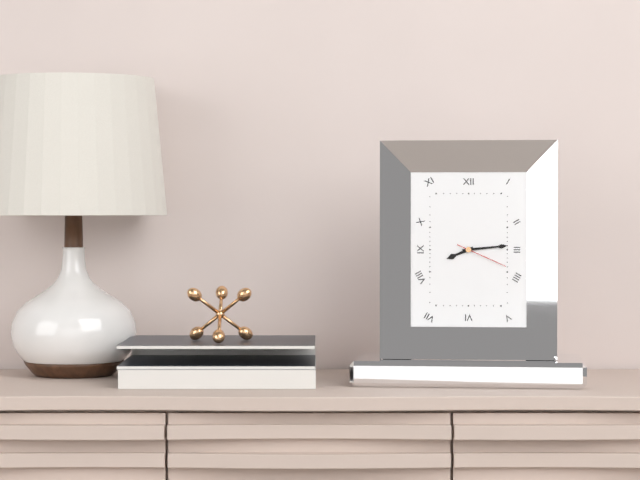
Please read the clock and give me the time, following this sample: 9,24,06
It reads 8,14,19
